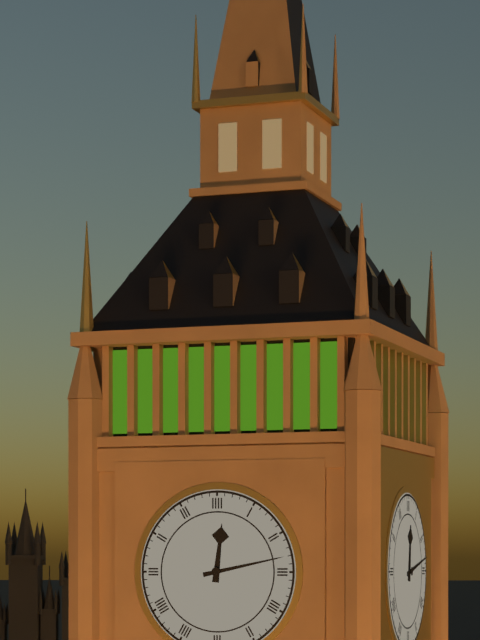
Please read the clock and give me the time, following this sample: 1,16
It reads 12,13
